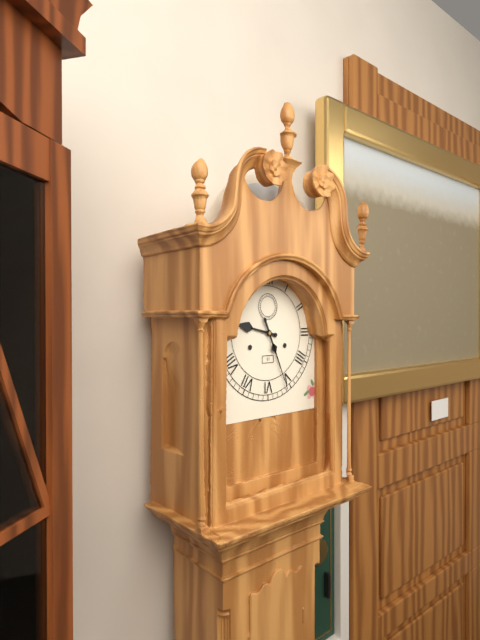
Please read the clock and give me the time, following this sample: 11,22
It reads 9,26
